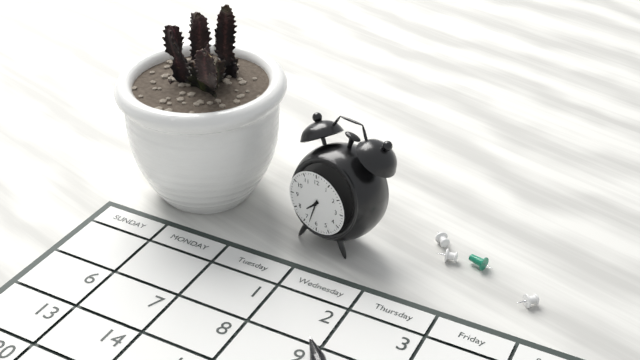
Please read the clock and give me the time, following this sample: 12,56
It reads 7,33
